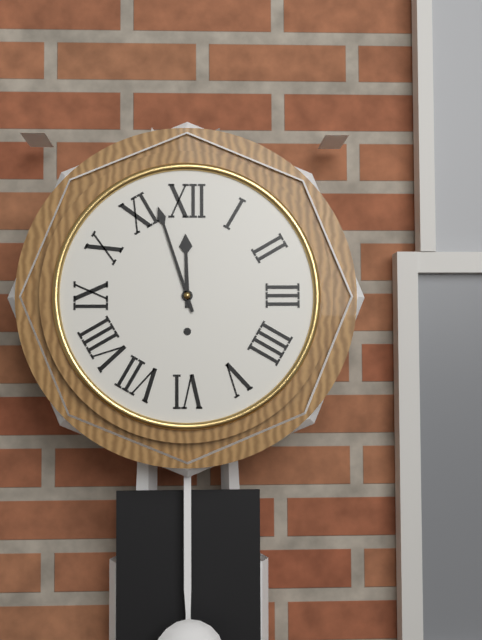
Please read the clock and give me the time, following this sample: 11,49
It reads 11,57
